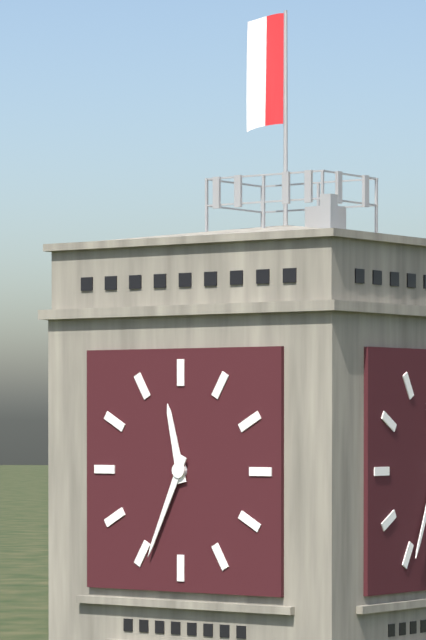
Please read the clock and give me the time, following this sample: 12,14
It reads 11,34
